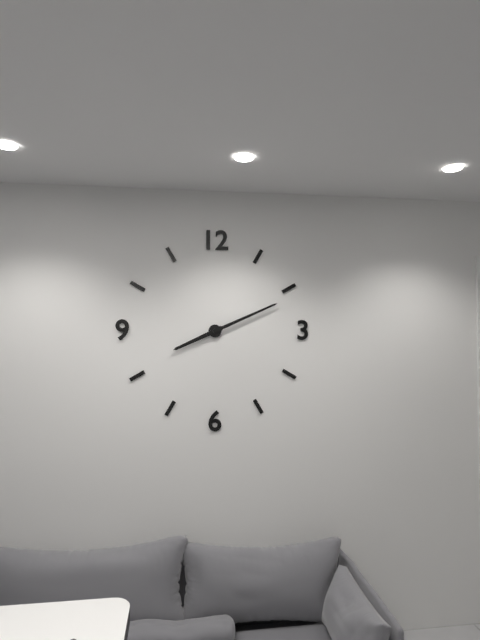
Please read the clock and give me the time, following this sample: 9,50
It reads 8,11
